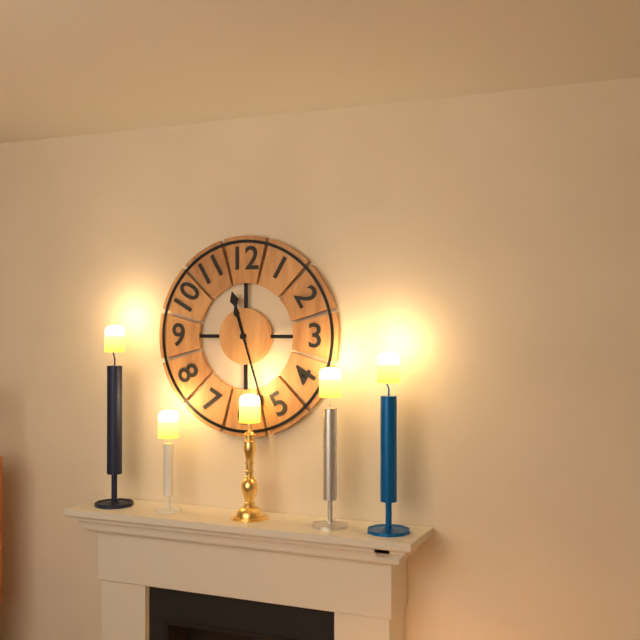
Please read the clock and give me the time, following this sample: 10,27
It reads 11,27
